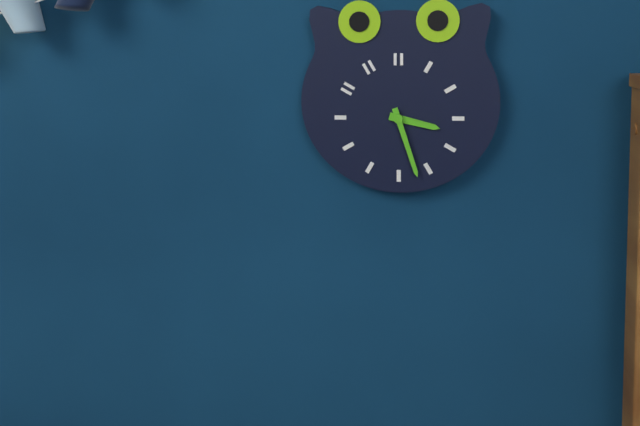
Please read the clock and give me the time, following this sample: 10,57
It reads 3,27
